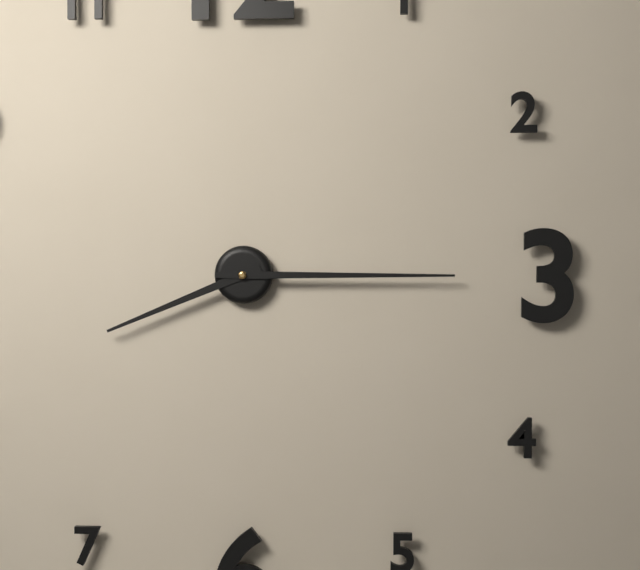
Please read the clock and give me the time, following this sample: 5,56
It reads 8,15
